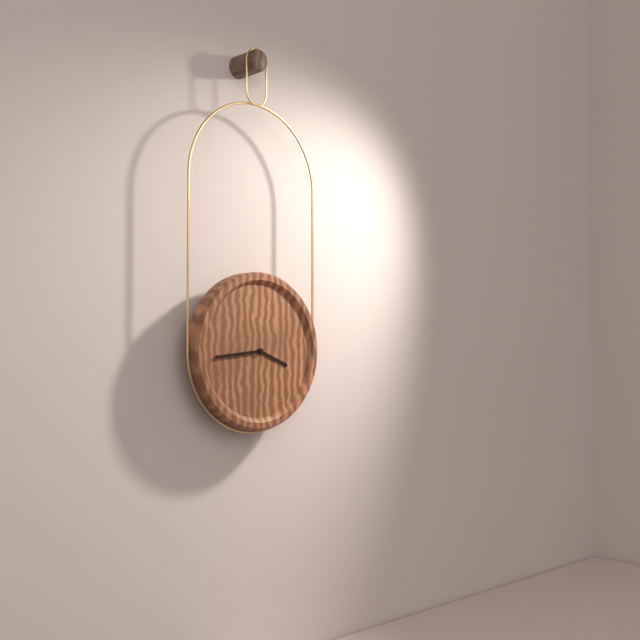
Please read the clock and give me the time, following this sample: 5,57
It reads 3,44
